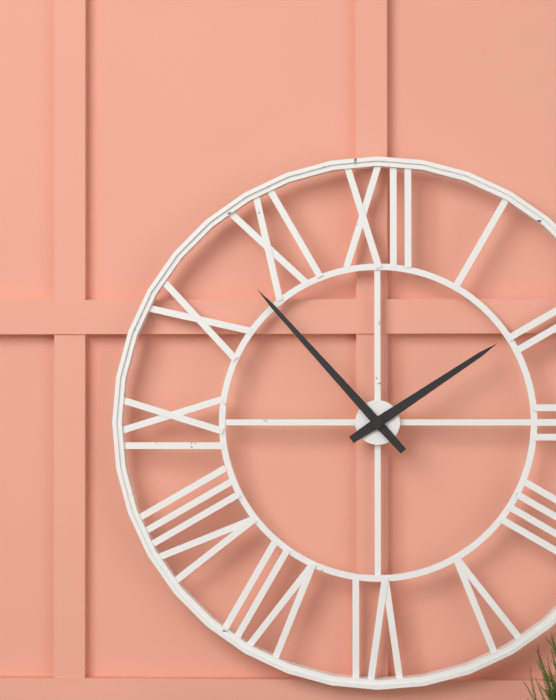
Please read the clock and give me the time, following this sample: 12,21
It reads 1,53
